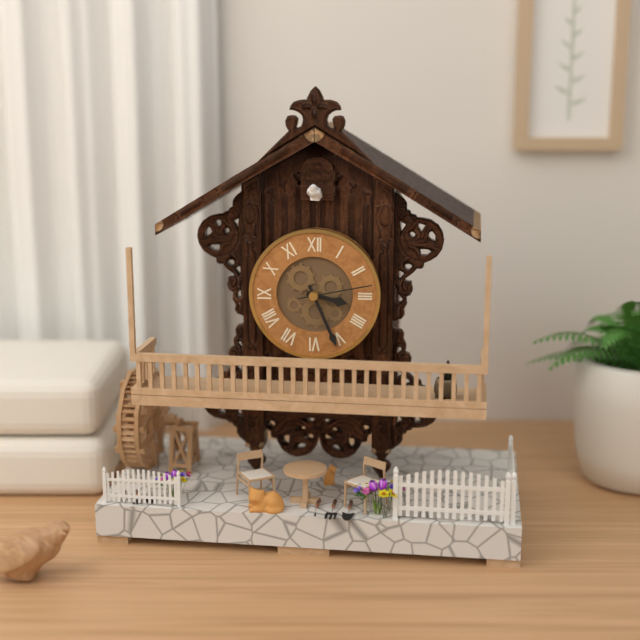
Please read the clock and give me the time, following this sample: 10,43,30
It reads 3,26,13
